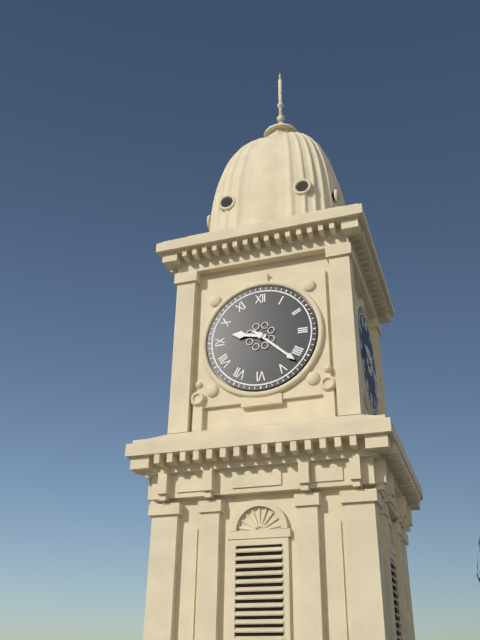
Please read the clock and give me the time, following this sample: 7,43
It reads 9,22
